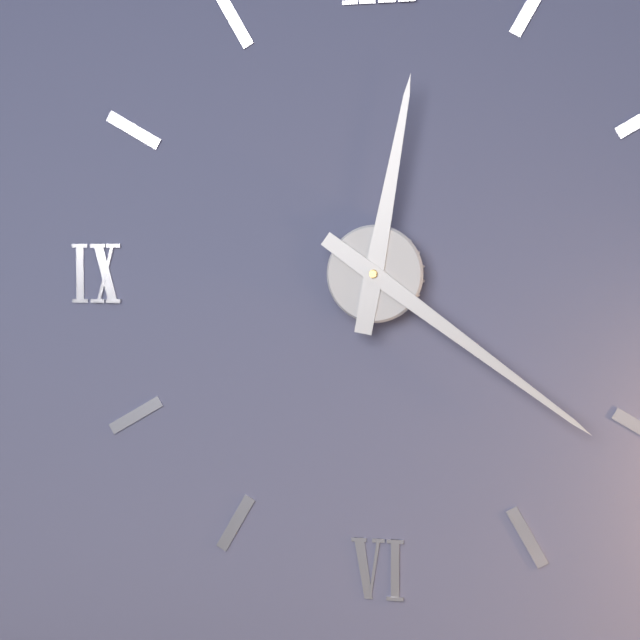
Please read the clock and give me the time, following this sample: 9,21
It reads 12,21
